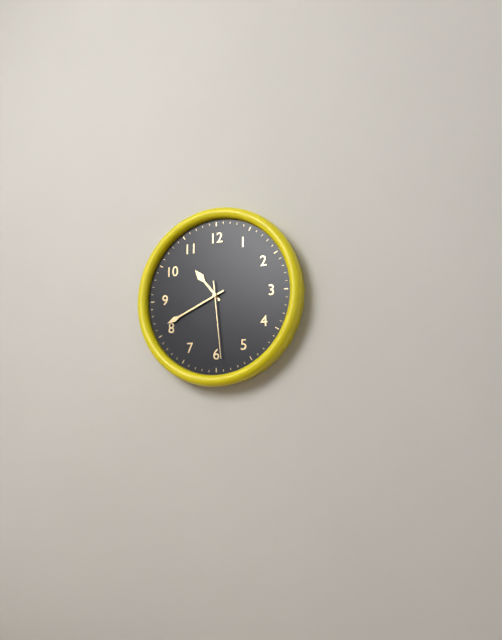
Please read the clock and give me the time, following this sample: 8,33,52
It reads 10,41,29
